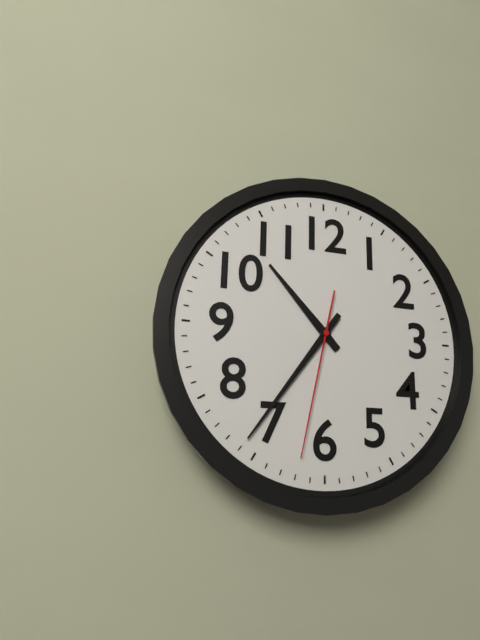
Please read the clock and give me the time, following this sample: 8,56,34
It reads 10,36,32
